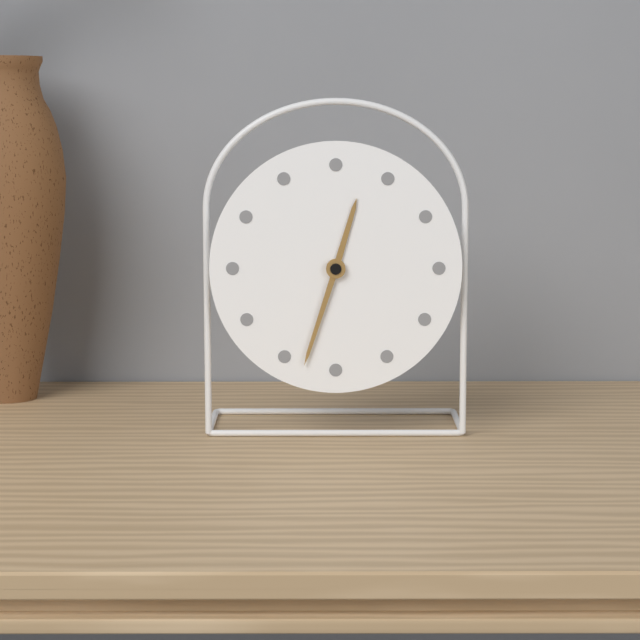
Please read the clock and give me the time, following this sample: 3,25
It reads 12,33
